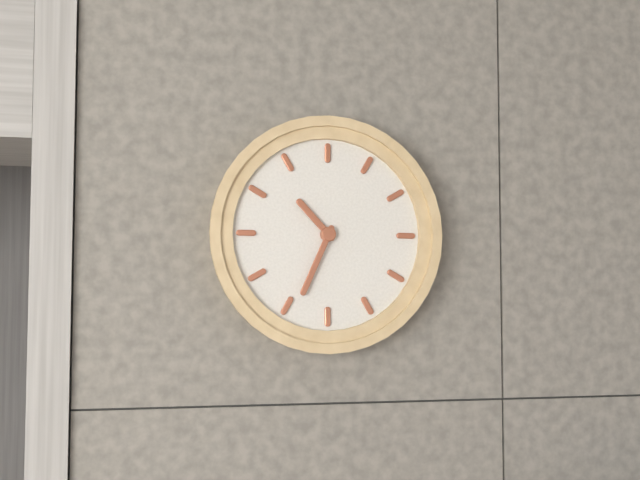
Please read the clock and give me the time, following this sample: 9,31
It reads 10,34
